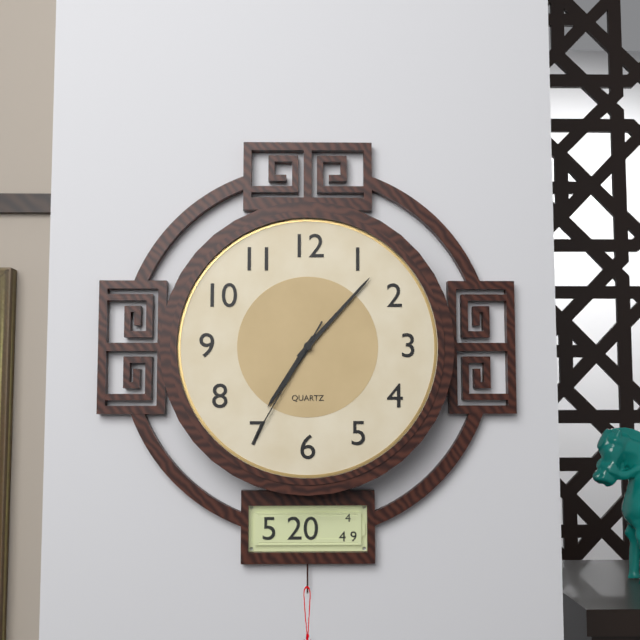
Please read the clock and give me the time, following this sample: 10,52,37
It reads 7,07,35
